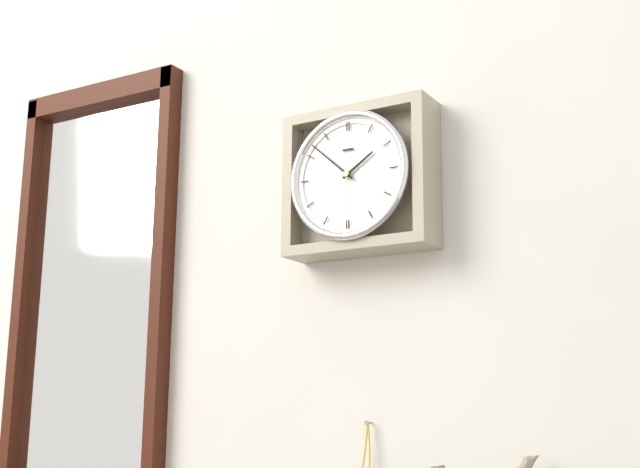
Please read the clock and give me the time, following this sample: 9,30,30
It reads 1,52,29
